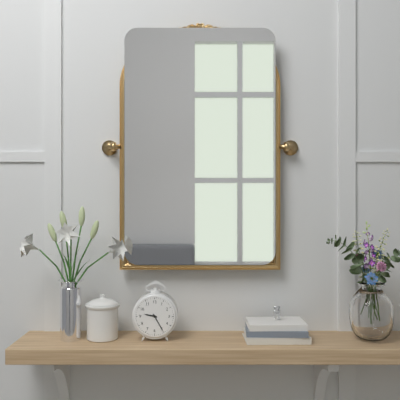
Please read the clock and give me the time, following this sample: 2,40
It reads 9,25
